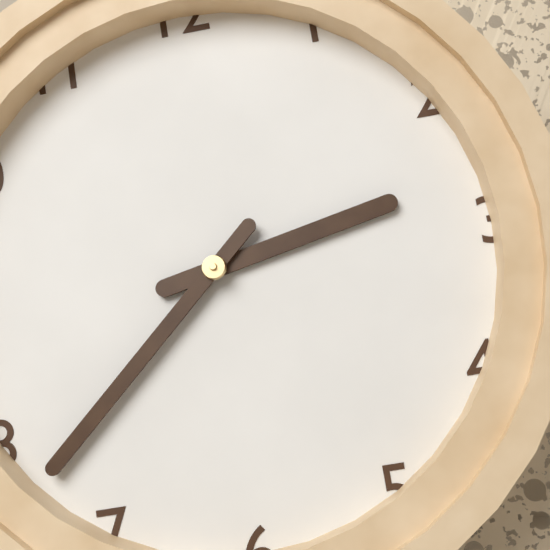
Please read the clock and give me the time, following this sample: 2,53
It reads 2,38
